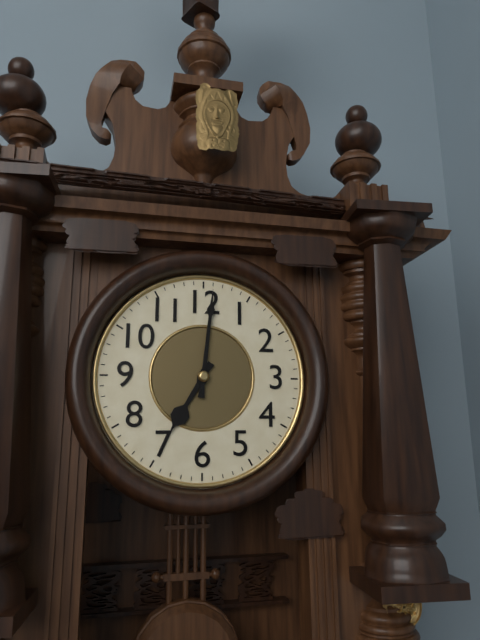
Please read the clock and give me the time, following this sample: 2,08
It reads 7,01
